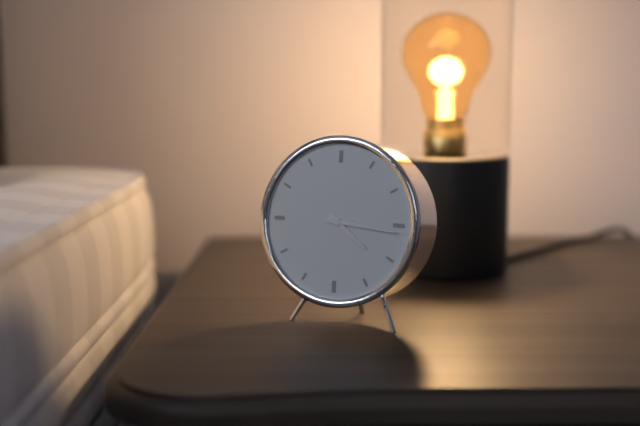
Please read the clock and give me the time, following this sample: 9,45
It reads 4,16
